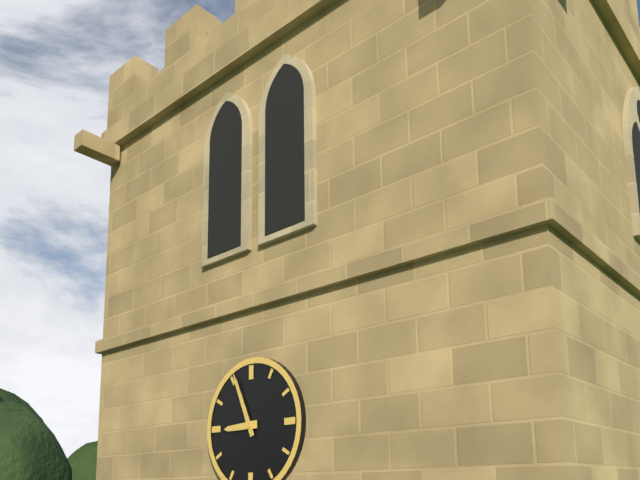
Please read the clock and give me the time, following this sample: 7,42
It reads 8,56
